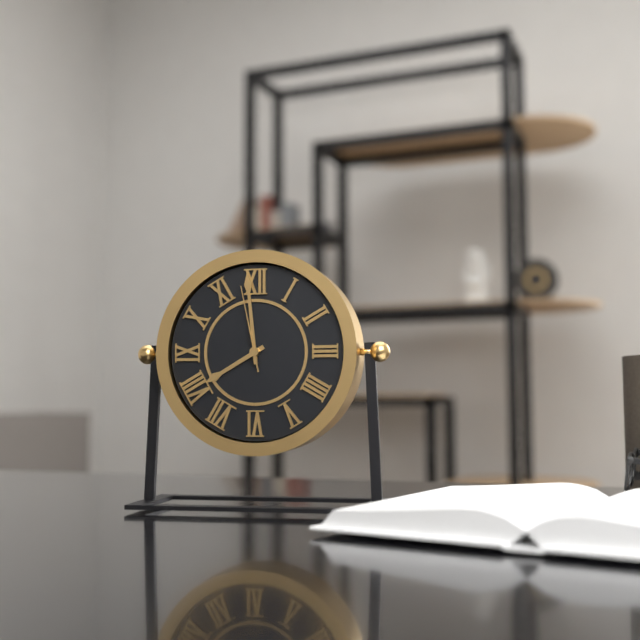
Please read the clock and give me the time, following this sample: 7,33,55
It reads 7,59,58
